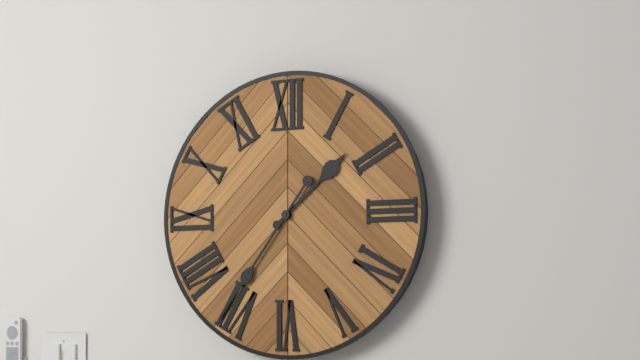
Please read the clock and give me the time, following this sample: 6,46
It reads 1,36
